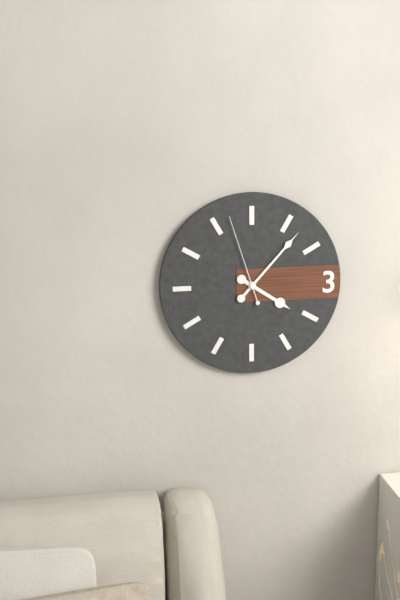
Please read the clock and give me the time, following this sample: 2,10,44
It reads 4,07,57
